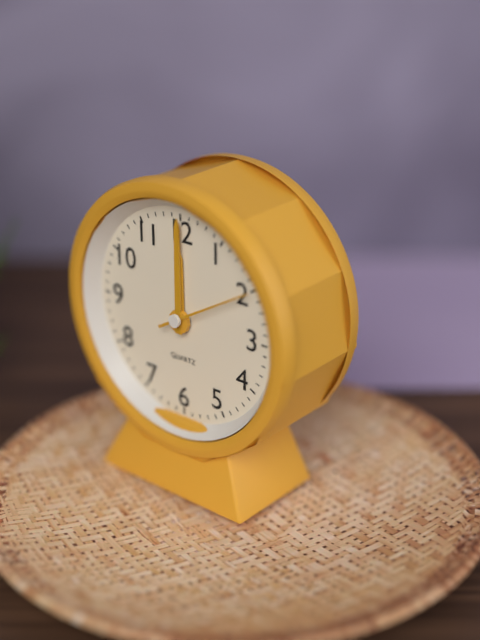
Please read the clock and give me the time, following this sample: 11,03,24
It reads 12,00,10
